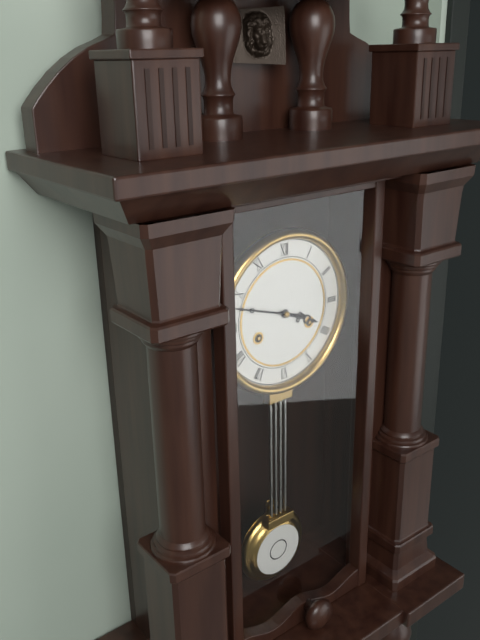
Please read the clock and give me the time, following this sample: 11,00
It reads 3,48
